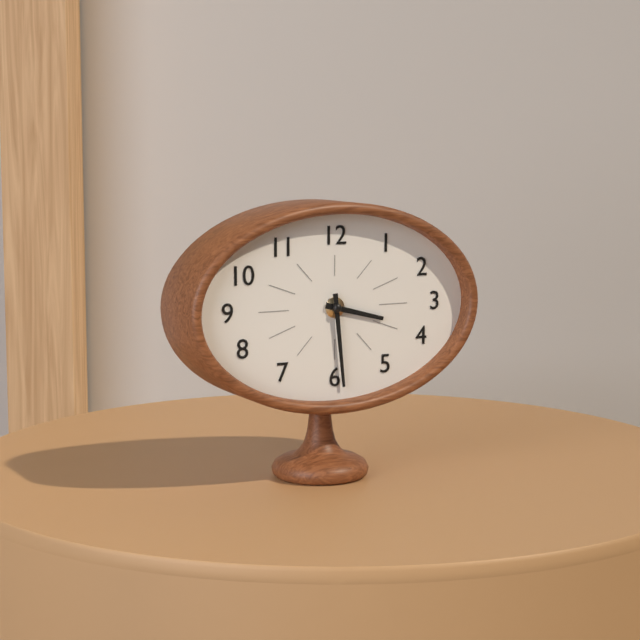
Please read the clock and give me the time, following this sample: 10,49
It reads 3,29
